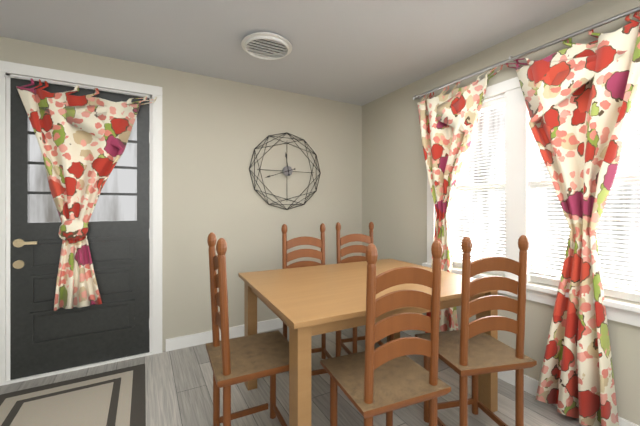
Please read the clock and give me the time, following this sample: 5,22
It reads 11,42
